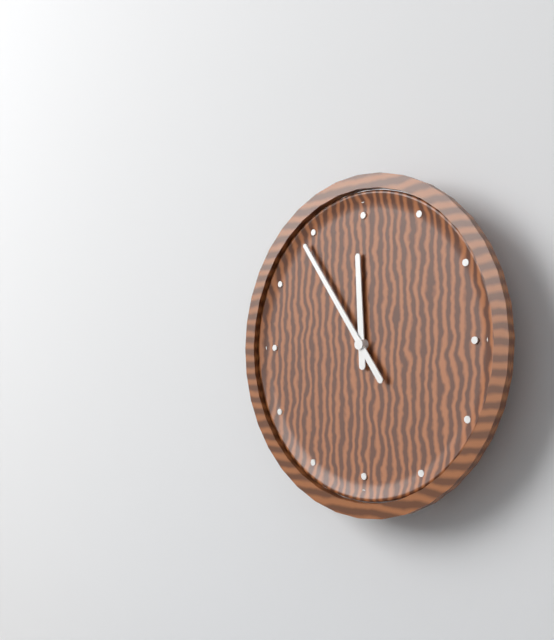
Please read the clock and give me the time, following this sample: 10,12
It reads 11,54
